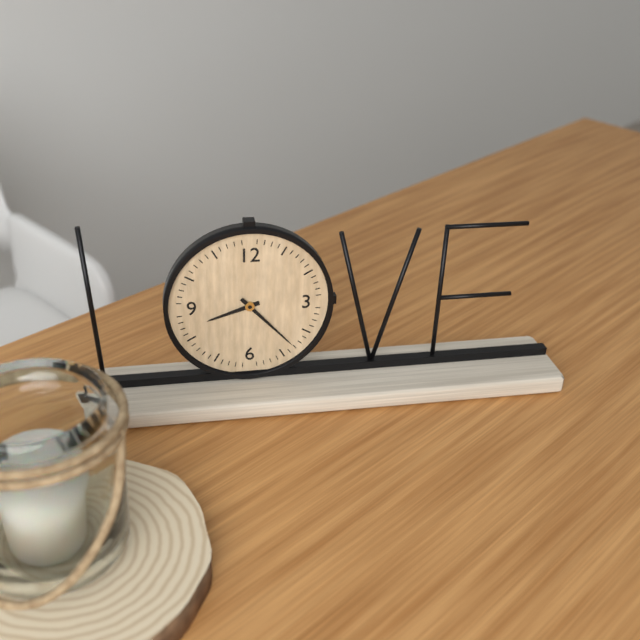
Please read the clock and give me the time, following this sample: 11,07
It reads 8,23
